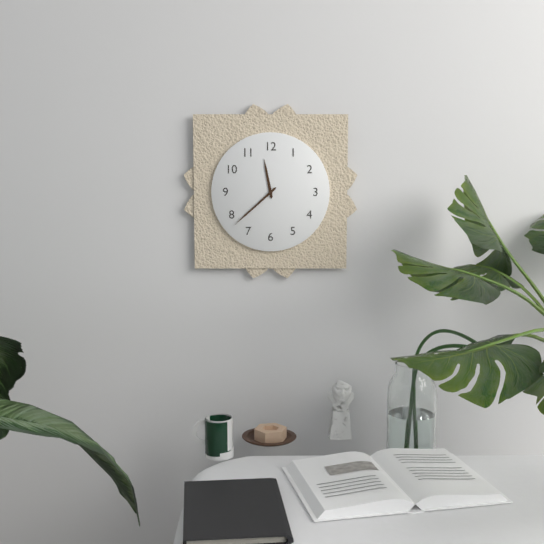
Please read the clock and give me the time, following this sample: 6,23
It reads 11,38
